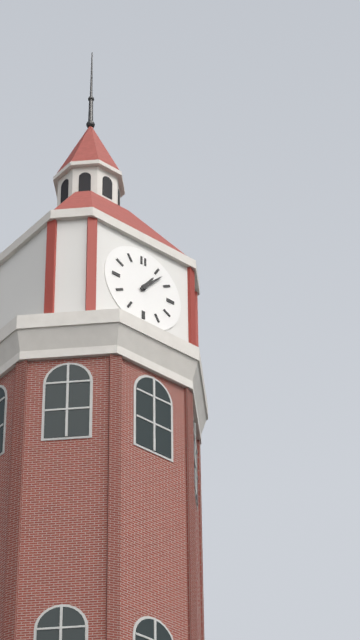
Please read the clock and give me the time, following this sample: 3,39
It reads 1,07
